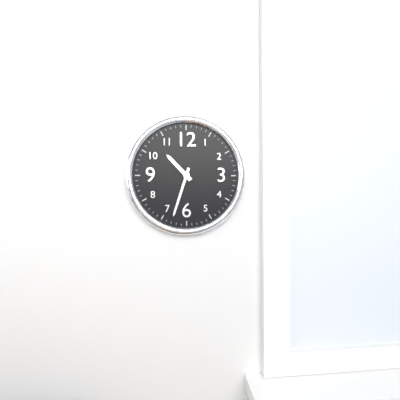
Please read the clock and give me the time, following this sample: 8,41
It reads 10,33
